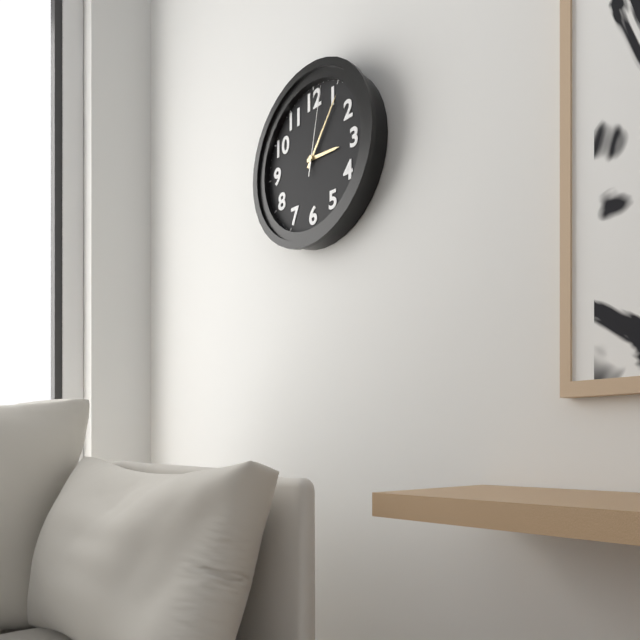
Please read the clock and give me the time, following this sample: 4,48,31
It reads 3,06,02
